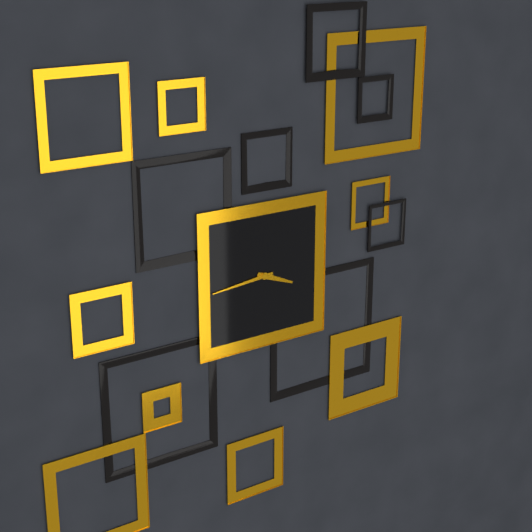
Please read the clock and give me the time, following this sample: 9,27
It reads 3,44
